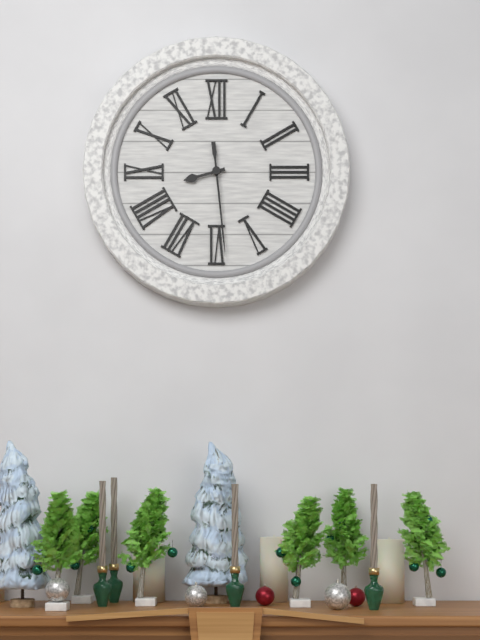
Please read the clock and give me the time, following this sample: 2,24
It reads 8,29
